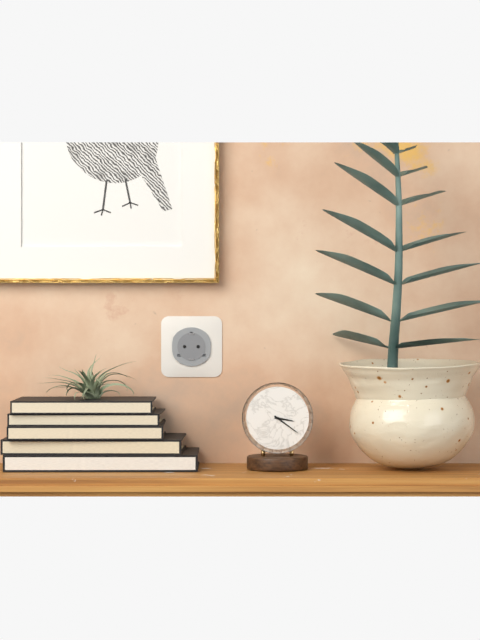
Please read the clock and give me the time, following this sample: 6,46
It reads 3,21
